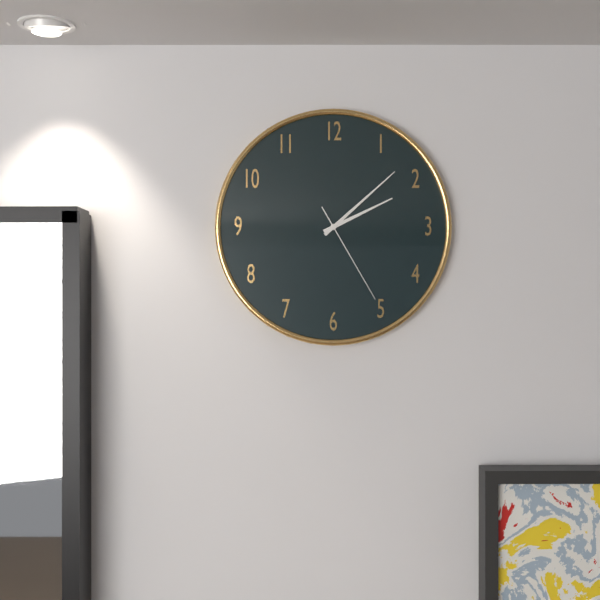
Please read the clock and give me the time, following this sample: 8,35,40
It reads 2,08,25
